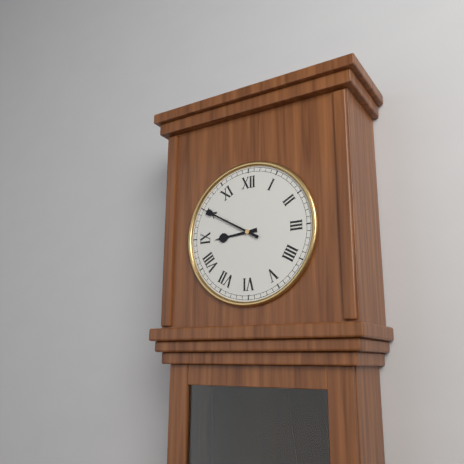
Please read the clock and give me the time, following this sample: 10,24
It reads 8,50
